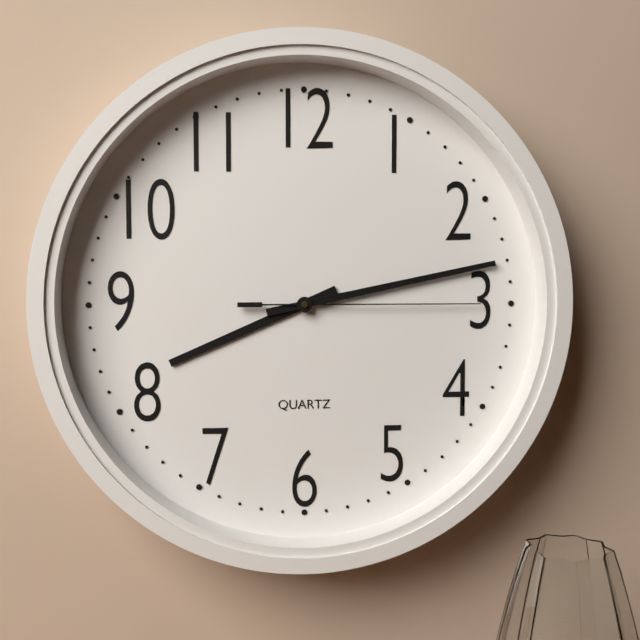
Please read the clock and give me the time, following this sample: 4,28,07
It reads 8,13,15
